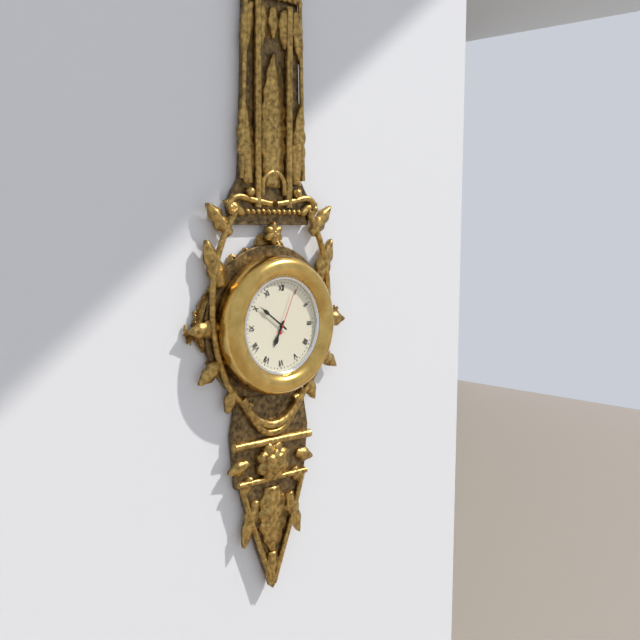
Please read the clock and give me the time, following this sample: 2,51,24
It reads 6,51,04
